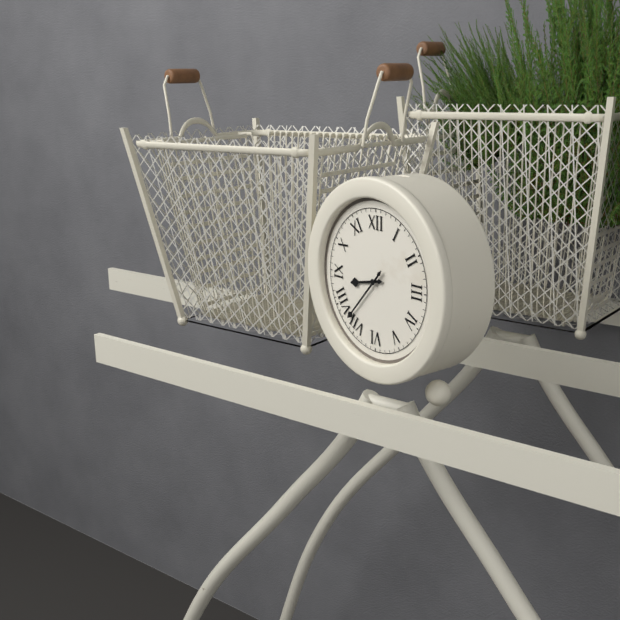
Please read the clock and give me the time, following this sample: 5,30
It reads 8,37
